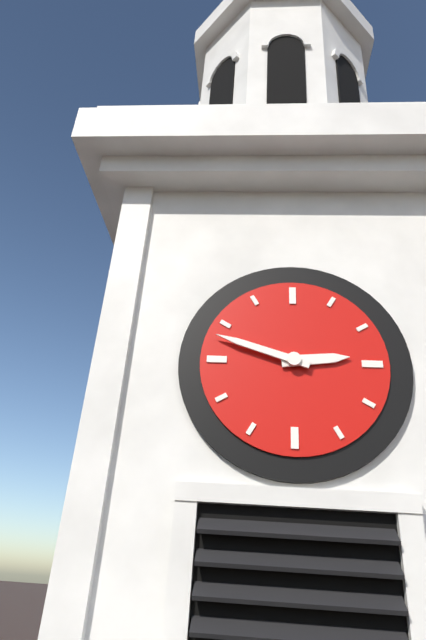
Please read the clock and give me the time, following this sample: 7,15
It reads 2,48
